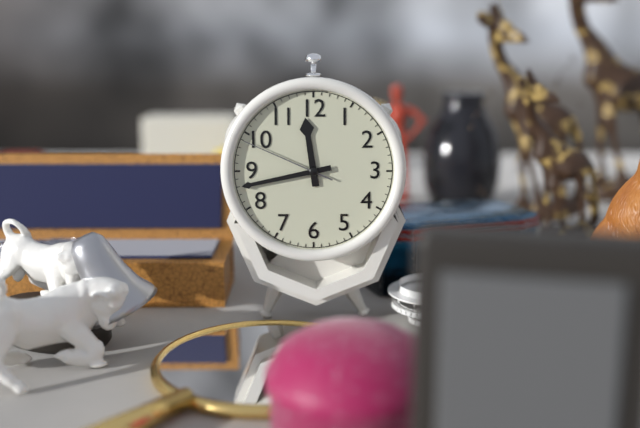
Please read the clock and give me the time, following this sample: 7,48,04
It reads 11,43,49
